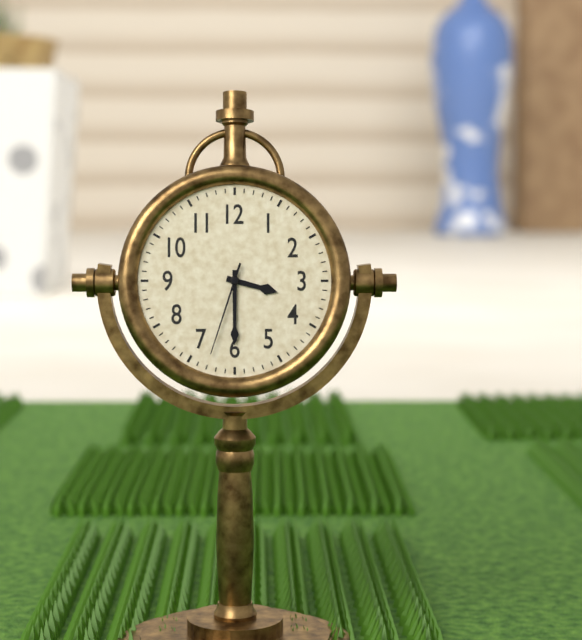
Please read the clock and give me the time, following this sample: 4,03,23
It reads 3,30,33
